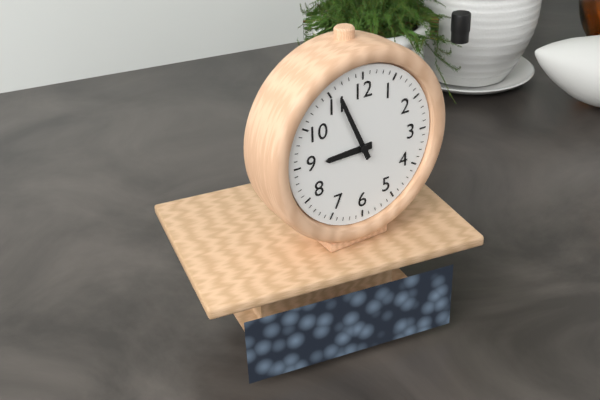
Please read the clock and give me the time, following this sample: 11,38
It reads 8,56
